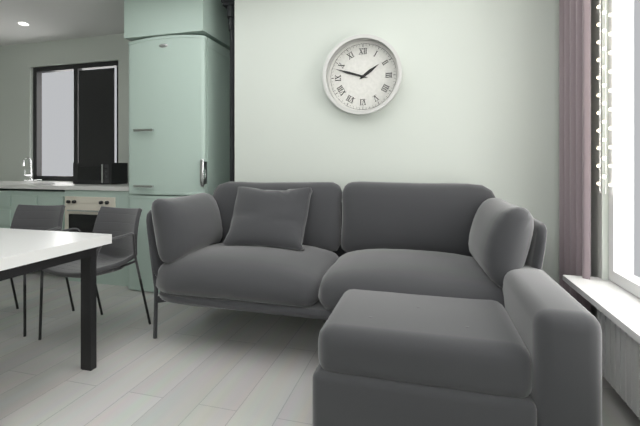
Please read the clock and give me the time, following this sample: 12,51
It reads 1,48
